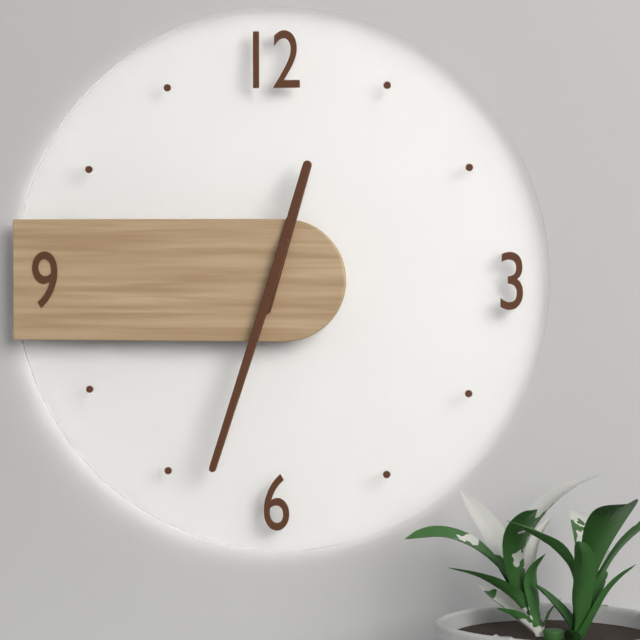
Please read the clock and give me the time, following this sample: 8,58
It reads 12,33
